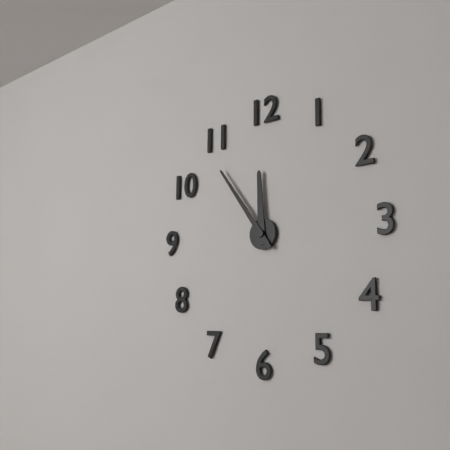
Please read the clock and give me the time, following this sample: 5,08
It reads 11,54
